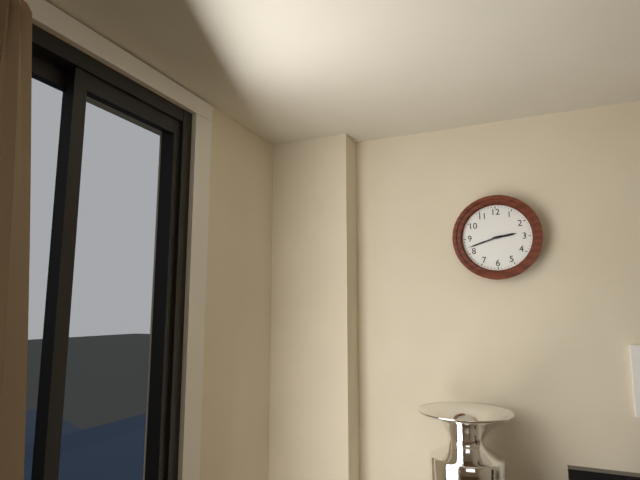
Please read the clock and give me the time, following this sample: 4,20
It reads 2,42
